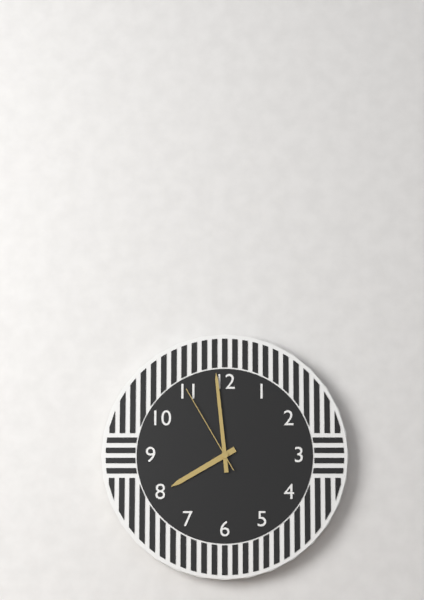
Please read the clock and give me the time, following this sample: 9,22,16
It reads 7,59,55
